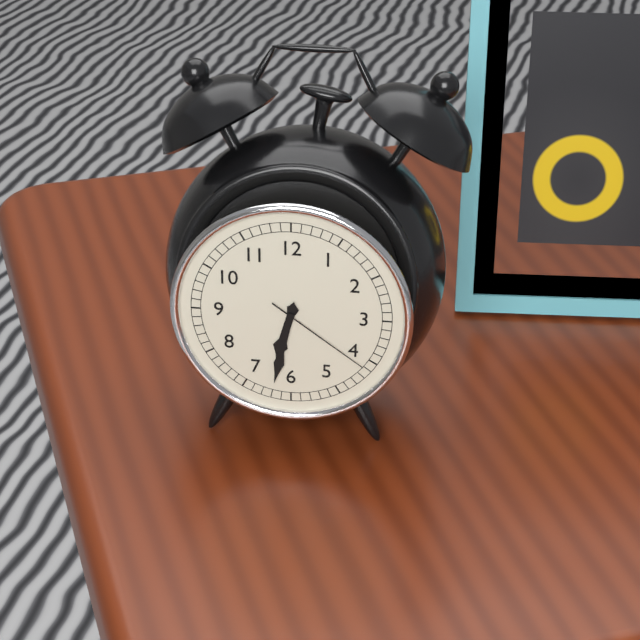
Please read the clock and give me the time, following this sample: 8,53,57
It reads 6,32,21
